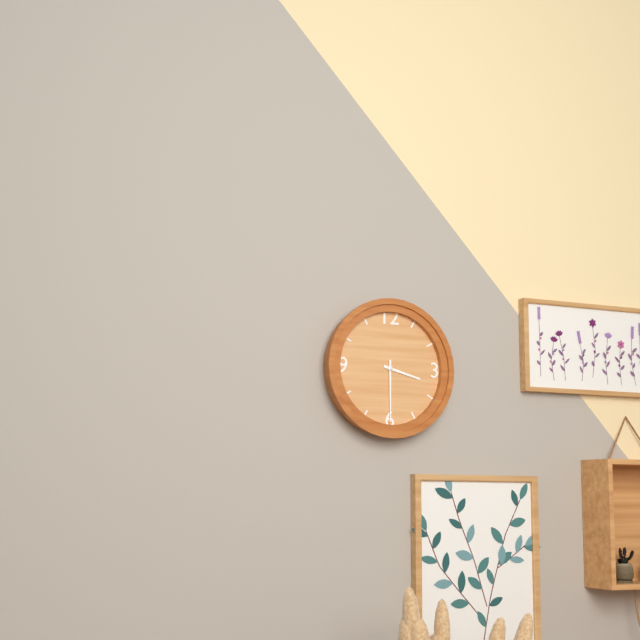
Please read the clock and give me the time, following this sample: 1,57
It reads 3,30
